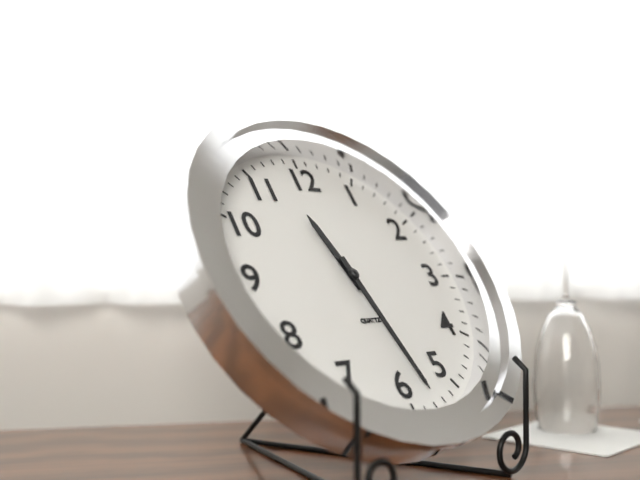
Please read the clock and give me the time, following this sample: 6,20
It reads 11,28
